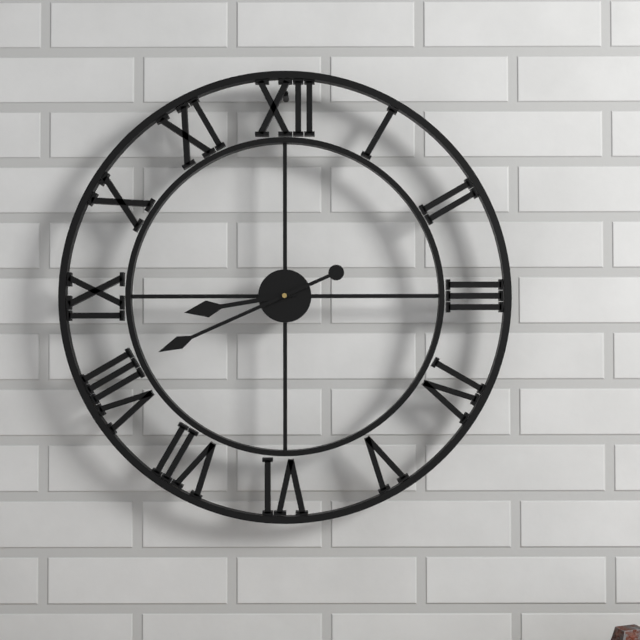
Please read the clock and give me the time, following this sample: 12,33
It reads 8,41
